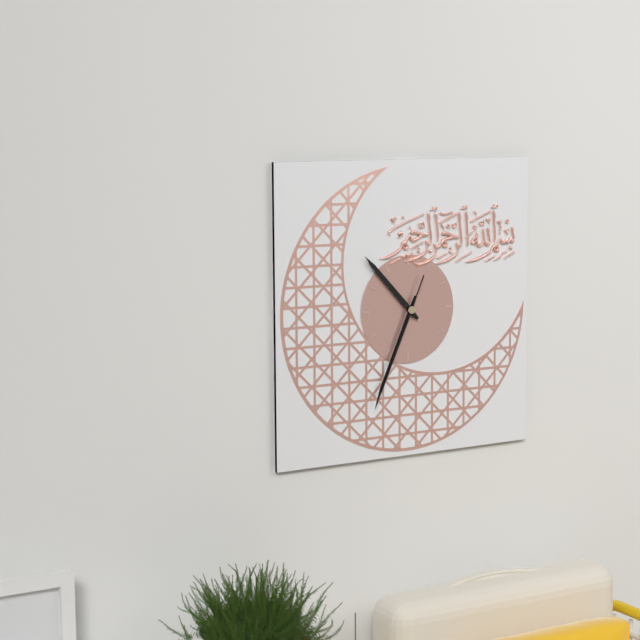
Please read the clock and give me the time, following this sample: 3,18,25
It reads 10,34,34
